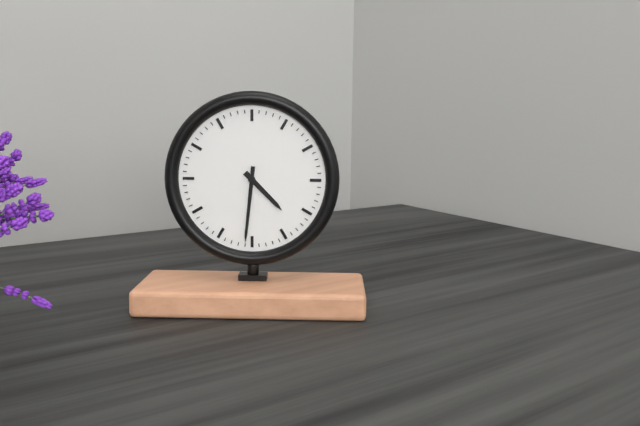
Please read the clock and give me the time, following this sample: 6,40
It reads 4,31
